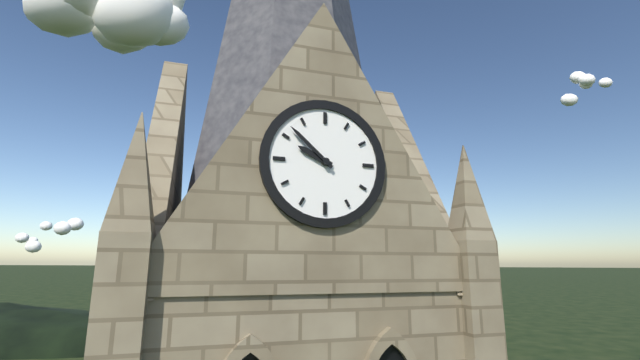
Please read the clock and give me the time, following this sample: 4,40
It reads 9,52
